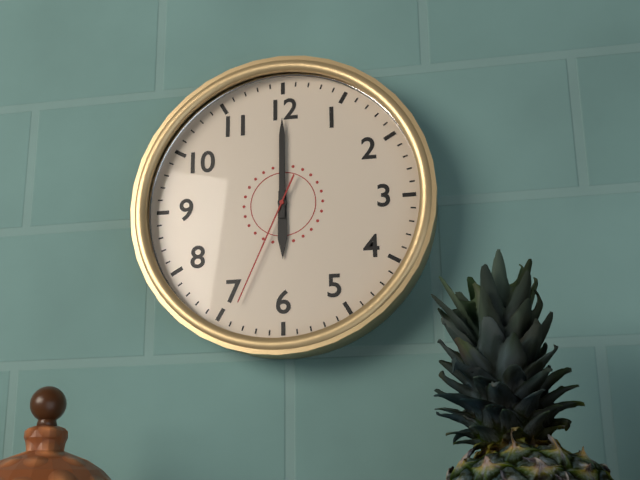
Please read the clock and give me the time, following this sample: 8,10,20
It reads 6,00,34
